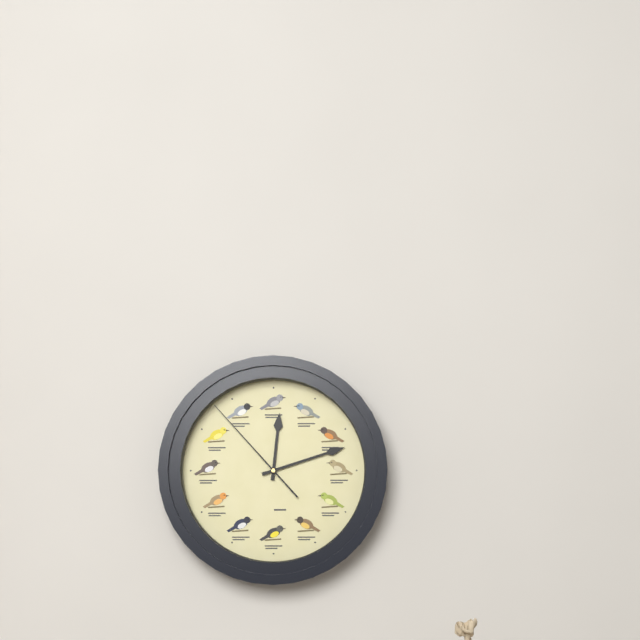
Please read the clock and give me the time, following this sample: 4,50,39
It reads 12,12,53
